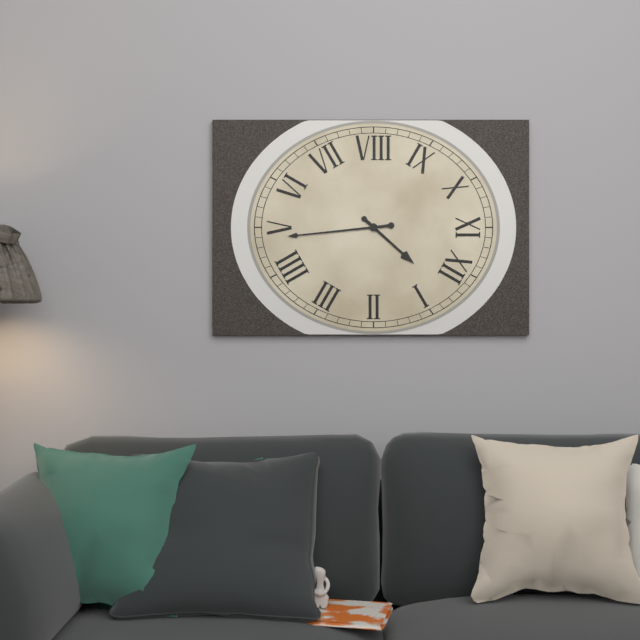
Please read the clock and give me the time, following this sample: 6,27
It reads 12,24
